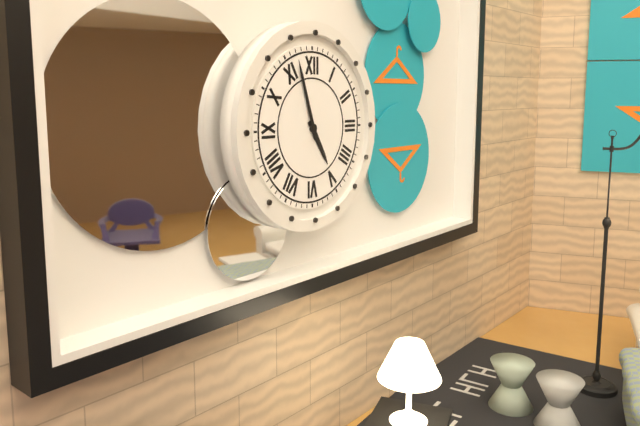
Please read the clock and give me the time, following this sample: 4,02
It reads 4,57
